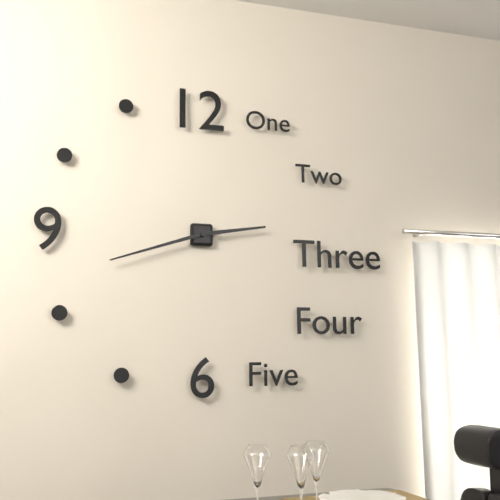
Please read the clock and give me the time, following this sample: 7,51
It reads 2,42
